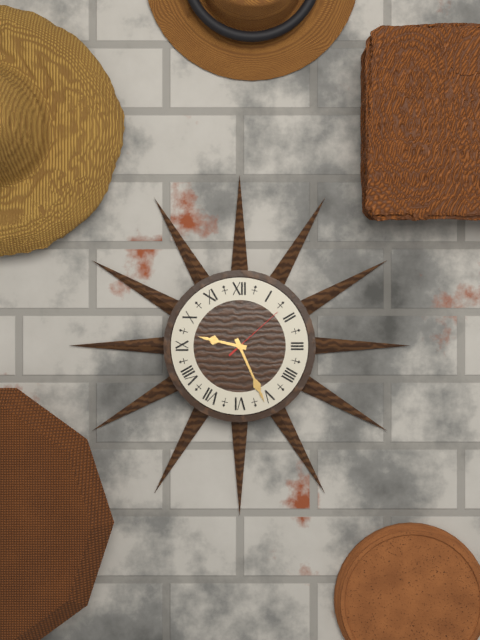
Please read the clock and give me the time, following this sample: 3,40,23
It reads 9,26,08
